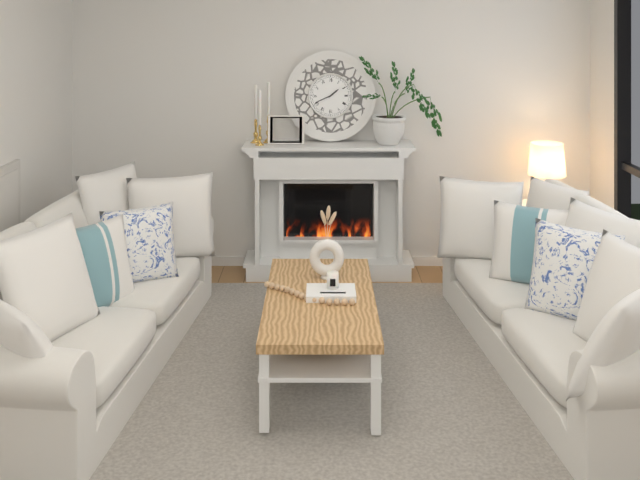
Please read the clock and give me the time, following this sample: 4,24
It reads 1,41
